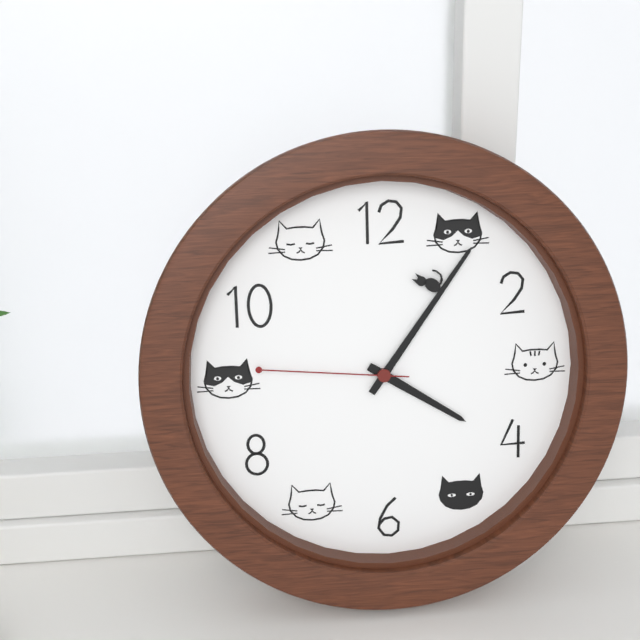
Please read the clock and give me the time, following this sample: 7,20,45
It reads 4,06,46
